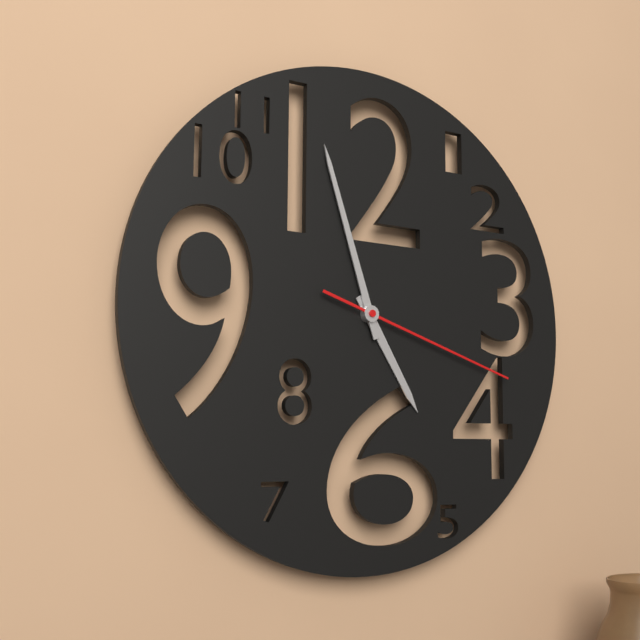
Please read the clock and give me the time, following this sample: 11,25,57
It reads 4,57,18
